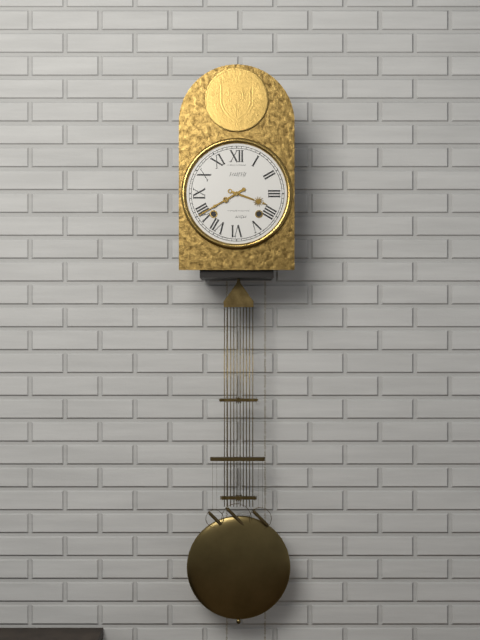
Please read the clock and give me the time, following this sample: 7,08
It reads 3,40
